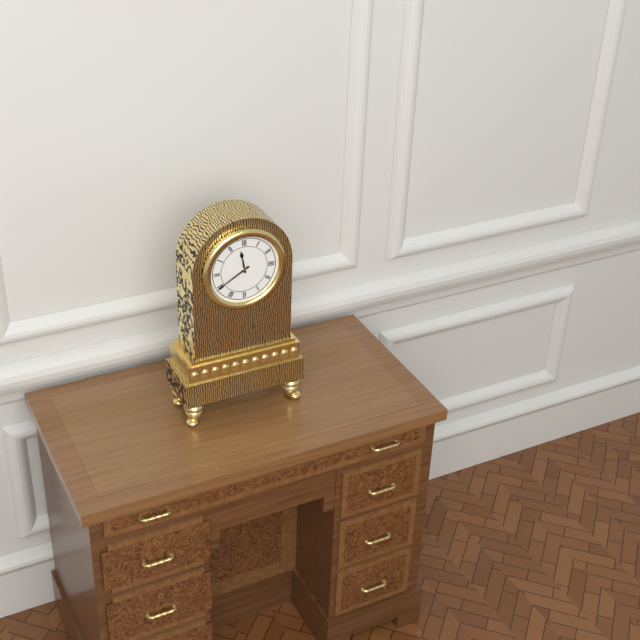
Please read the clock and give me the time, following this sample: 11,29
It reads 11,40
